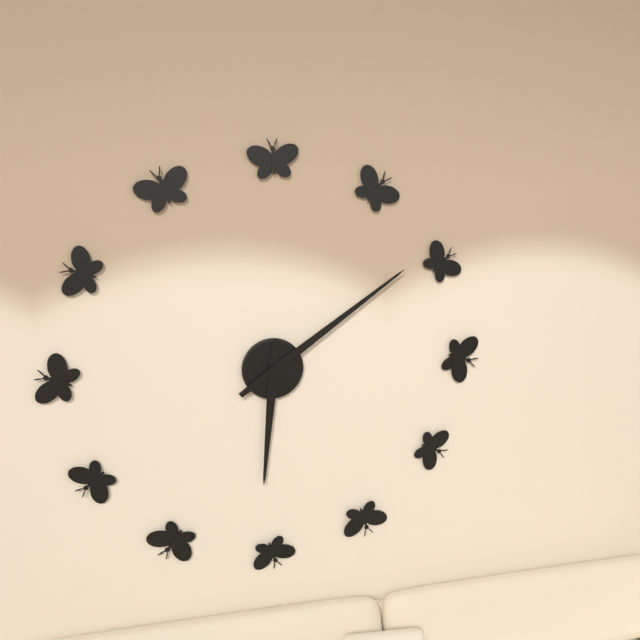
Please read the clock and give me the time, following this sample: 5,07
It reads 6,09
